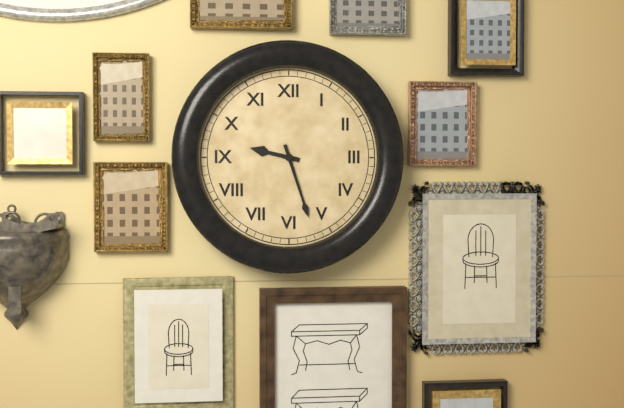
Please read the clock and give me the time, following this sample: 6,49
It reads 9,27
